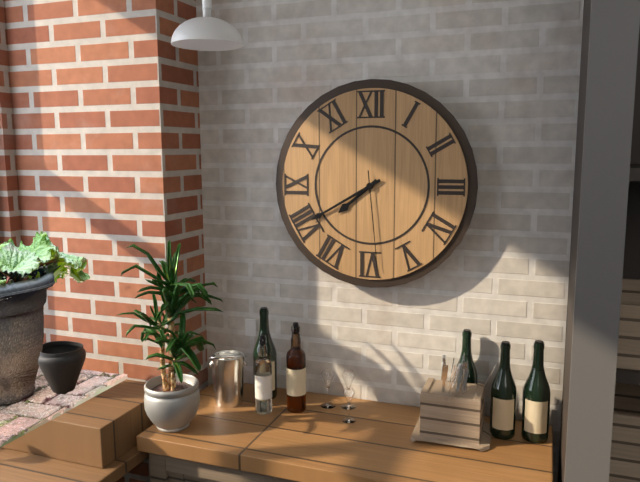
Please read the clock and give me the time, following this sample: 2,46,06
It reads 7,40,29
